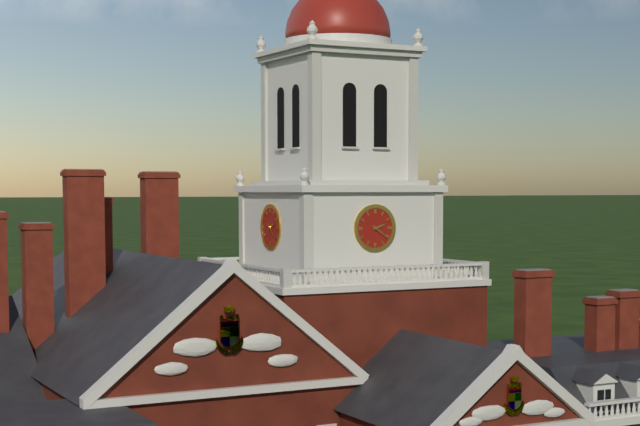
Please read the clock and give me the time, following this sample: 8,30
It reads 2,21
